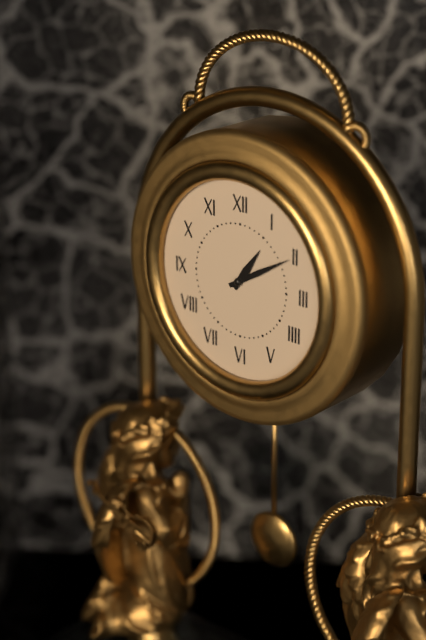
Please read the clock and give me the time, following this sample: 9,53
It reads 1,10
